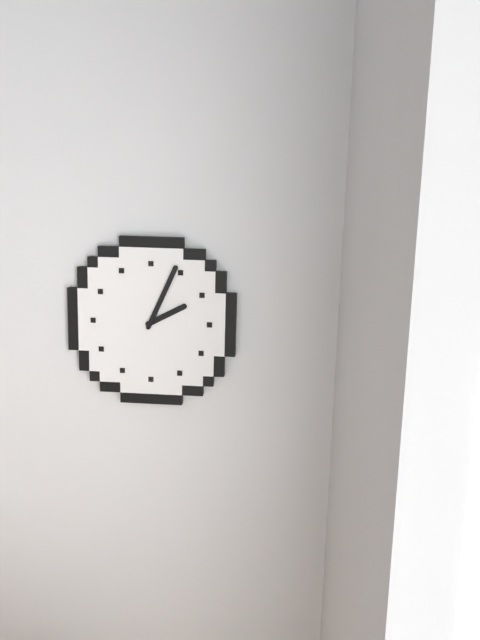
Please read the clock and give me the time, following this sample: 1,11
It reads 2,04
